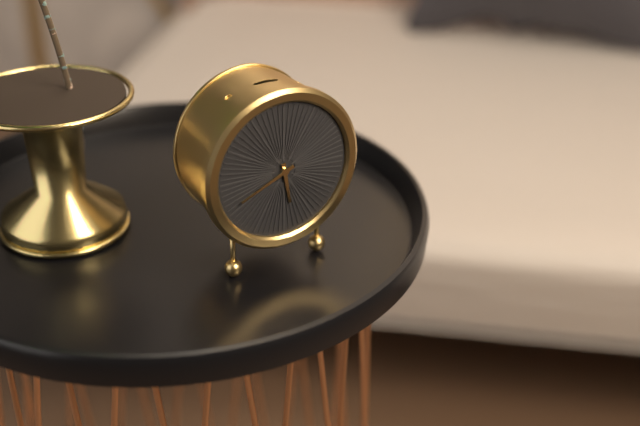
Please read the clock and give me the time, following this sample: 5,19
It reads 5,41
